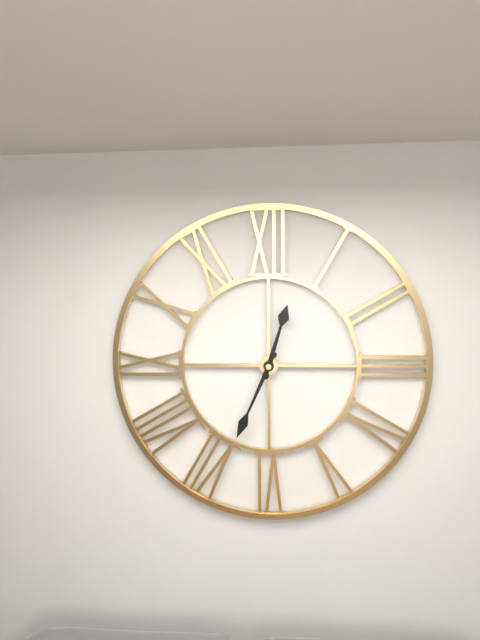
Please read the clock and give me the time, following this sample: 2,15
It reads 12,34
